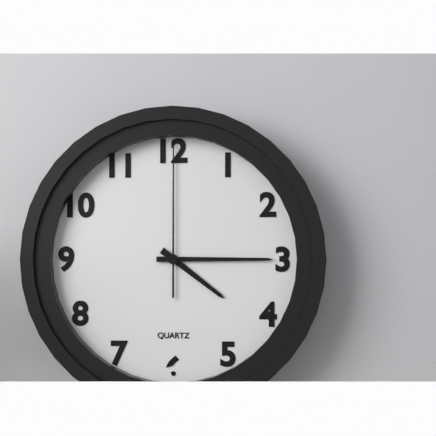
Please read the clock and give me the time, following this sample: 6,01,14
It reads 4,15,00
